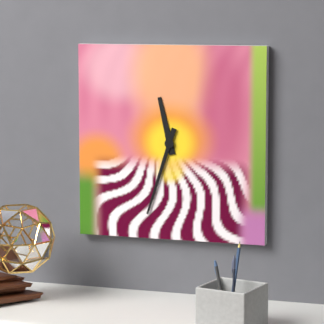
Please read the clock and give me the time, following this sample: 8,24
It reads 11,33
